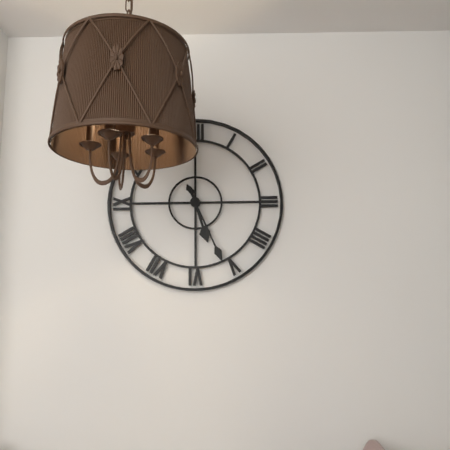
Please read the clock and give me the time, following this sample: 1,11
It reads 5,26
